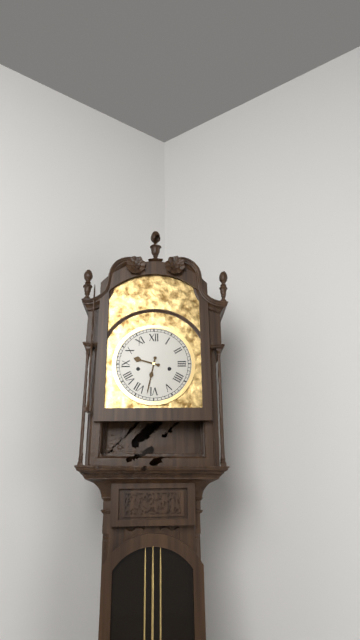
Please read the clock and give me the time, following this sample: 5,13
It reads 9,32
